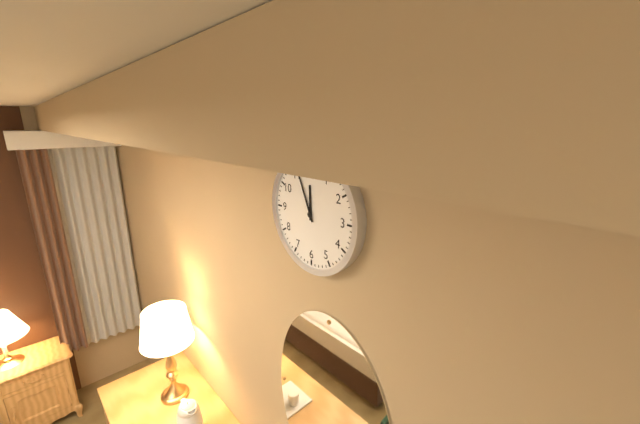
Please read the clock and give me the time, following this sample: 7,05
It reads 11,56
